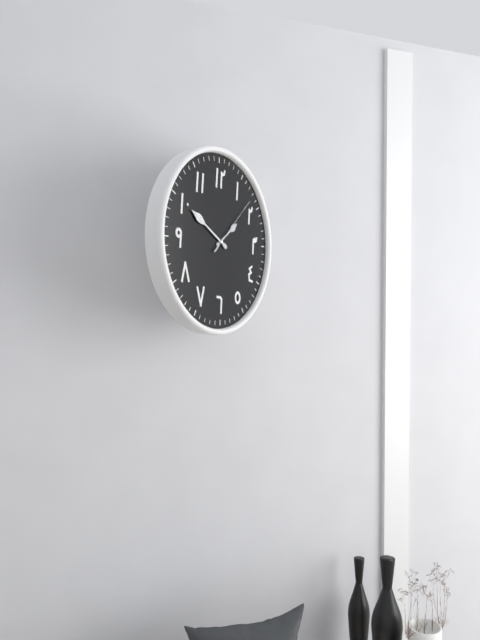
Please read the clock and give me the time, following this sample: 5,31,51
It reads 1,50,08
